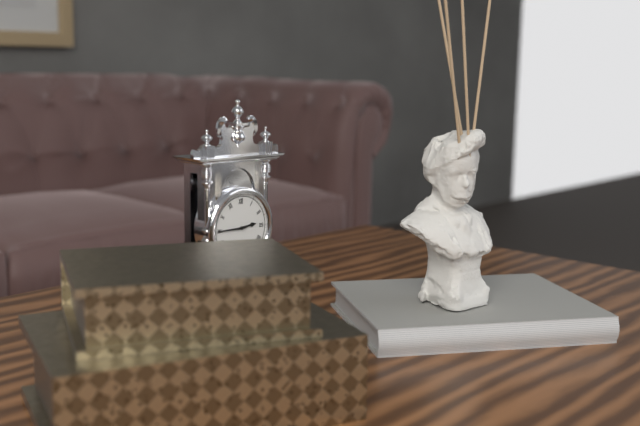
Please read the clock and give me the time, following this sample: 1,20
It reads 2,45
